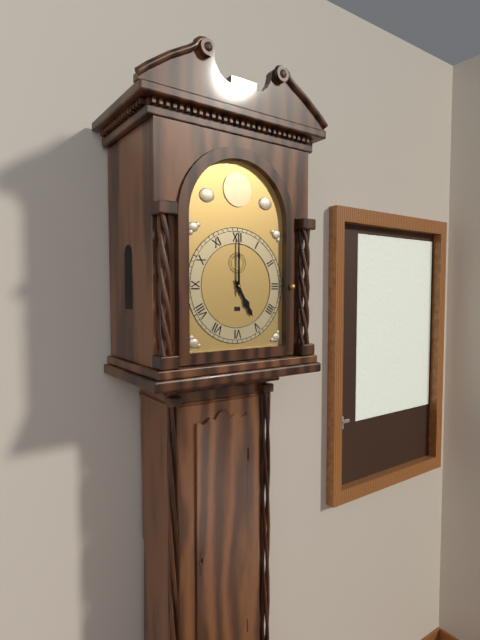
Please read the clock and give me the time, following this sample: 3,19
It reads 5,00
